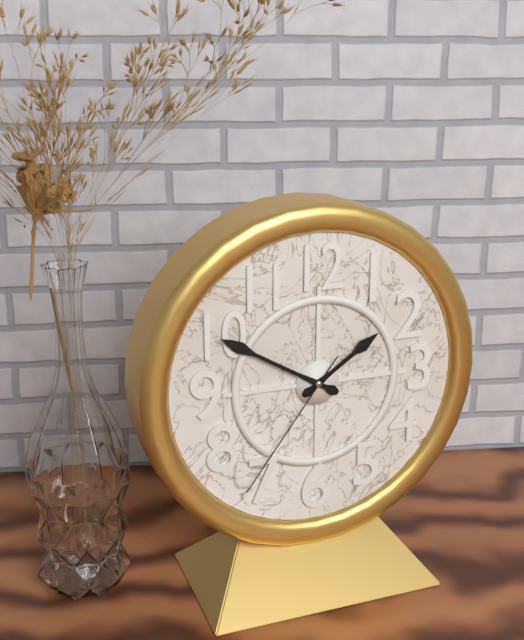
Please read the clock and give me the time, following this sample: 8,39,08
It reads 1,50,36
